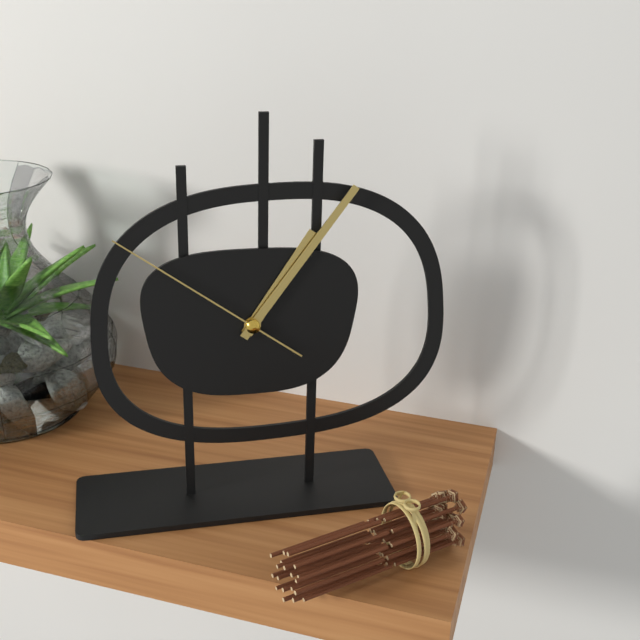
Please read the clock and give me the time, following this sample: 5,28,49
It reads 1,06,51
